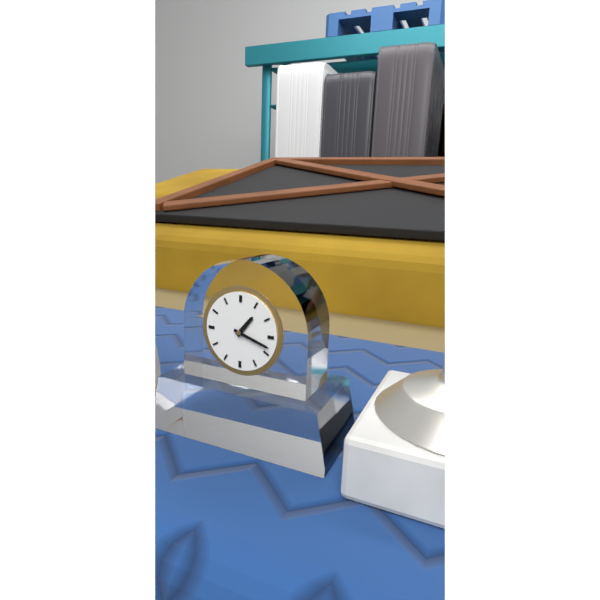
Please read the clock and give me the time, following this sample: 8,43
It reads 1,18
